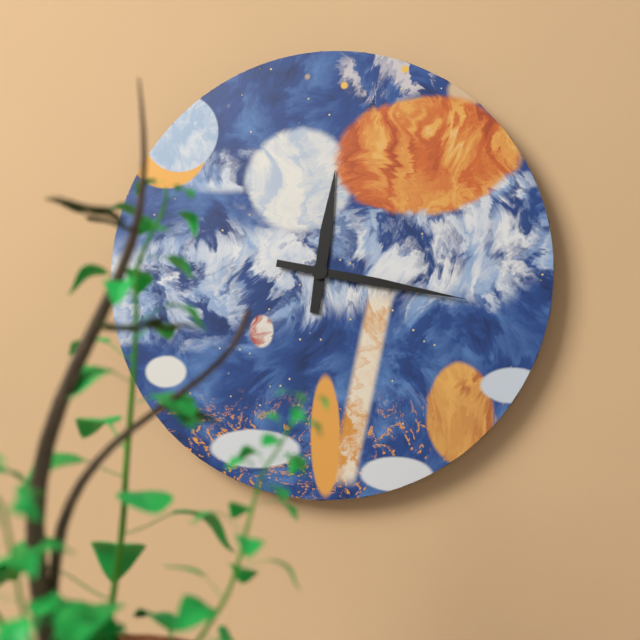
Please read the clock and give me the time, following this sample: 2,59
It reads 12,17
